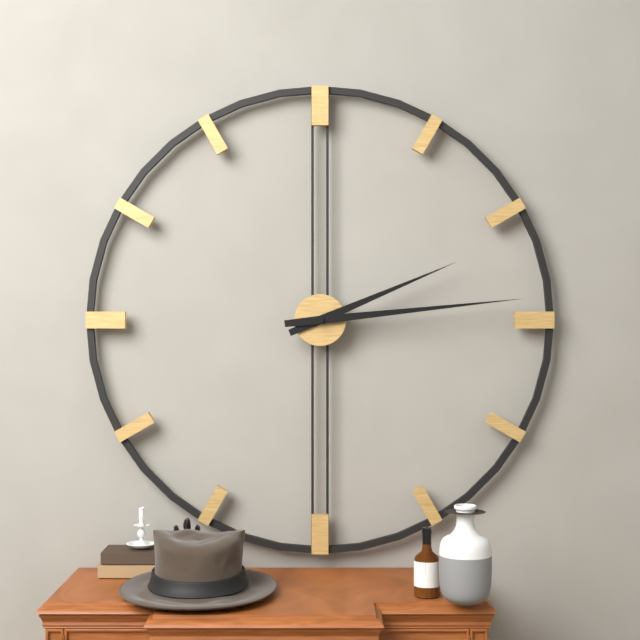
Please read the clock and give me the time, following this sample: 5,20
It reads 2,14
